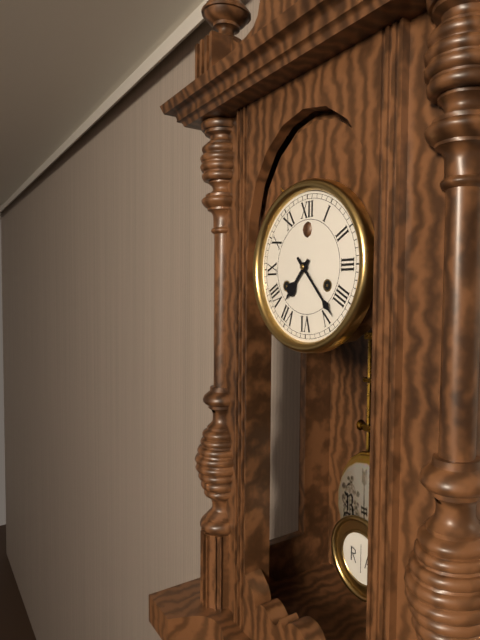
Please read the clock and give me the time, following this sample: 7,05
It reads 7,23
